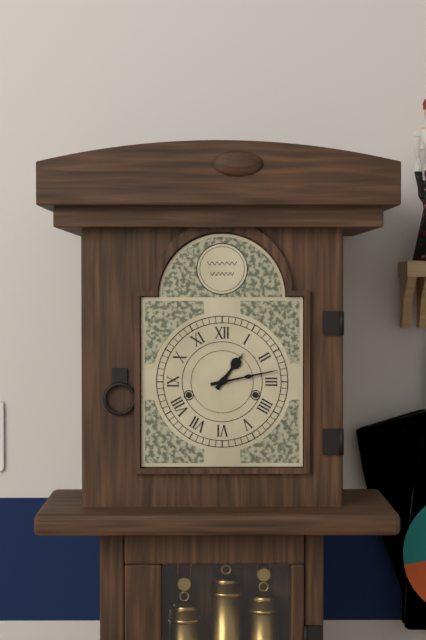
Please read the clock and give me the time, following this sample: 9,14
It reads 1,13
